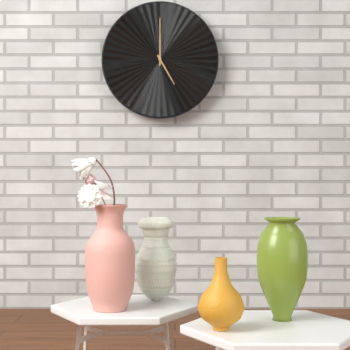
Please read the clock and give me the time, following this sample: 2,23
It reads 5,00
